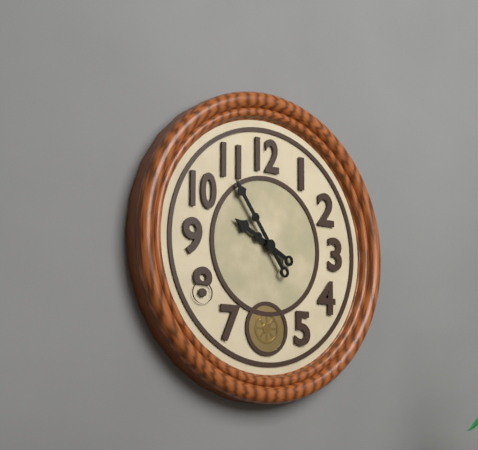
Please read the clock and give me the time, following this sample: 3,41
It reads 9,54
